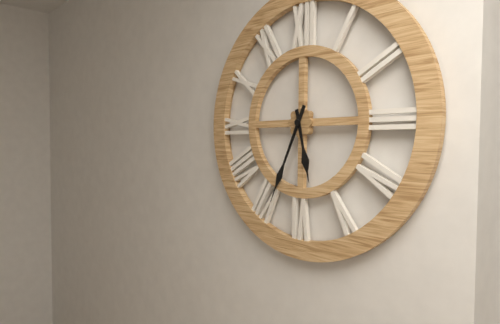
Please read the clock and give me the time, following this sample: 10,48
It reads 5,34
